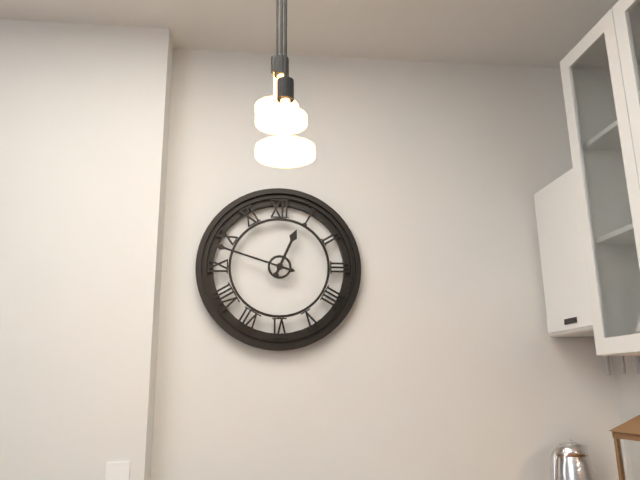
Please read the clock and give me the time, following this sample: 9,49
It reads 12,48
